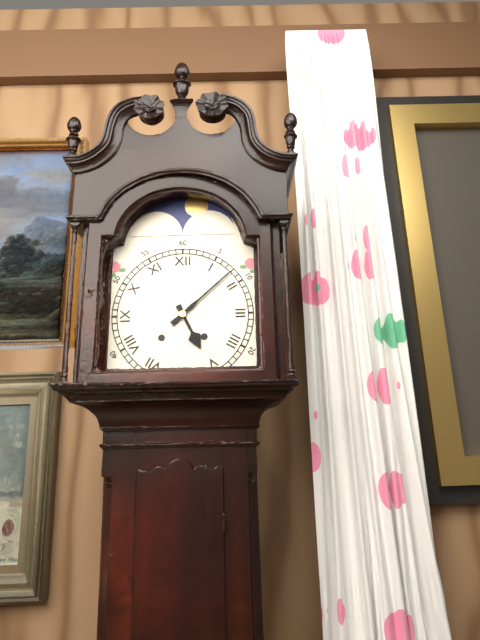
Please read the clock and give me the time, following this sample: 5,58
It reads 5,08
